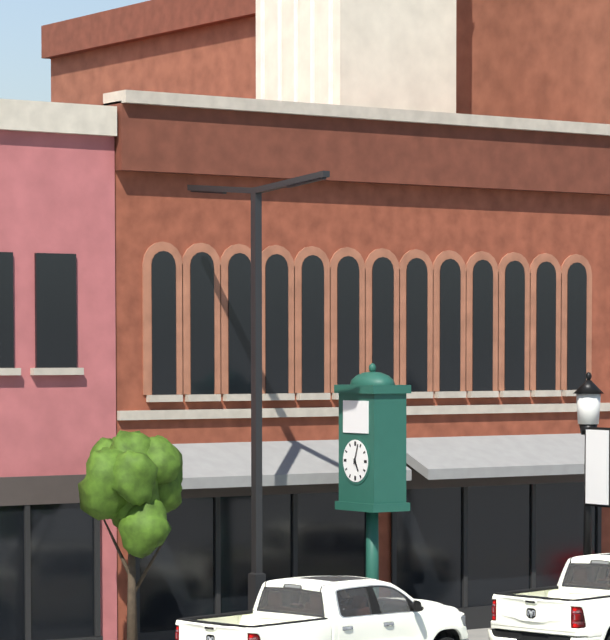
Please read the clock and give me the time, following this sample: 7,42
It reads 5,03
